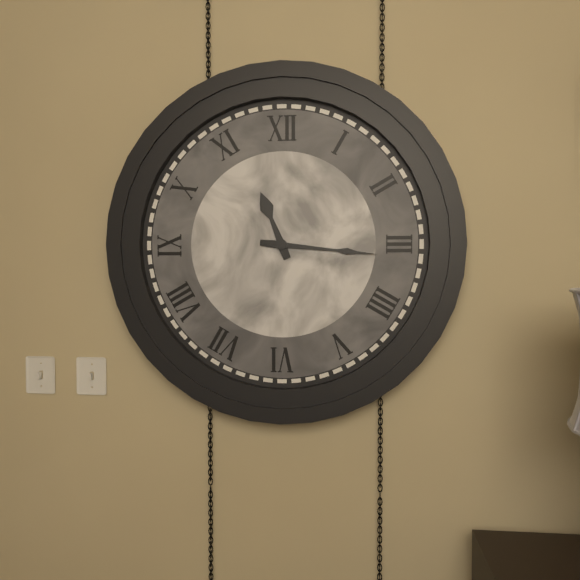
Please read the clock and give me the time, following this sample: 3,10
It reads 11,16
